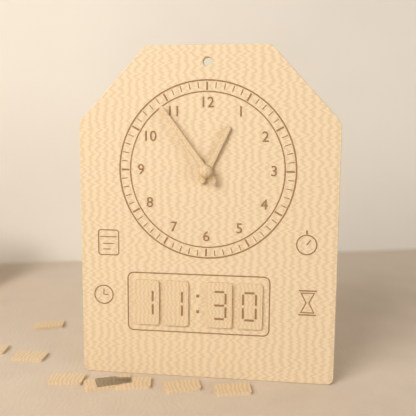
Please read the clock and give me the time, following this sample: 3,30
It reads 12,54
